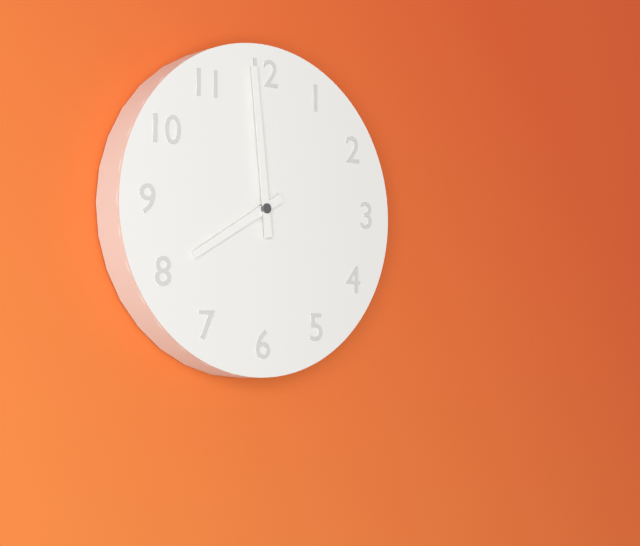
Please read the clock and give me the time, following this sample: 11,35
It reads 7,59
